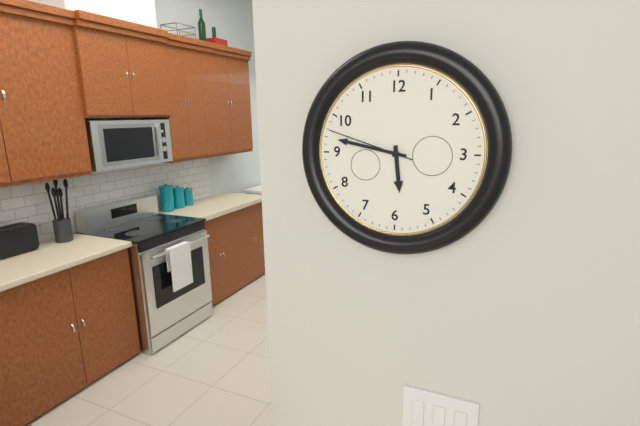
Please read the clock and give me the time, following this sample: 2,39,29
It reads 5,47,48
